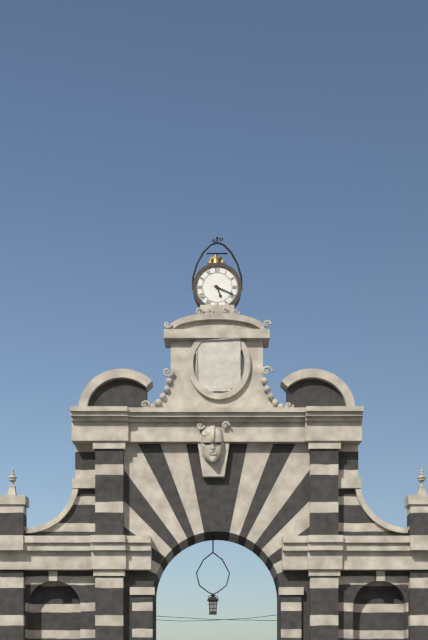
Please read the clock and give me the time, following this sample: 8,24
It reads 5,19
